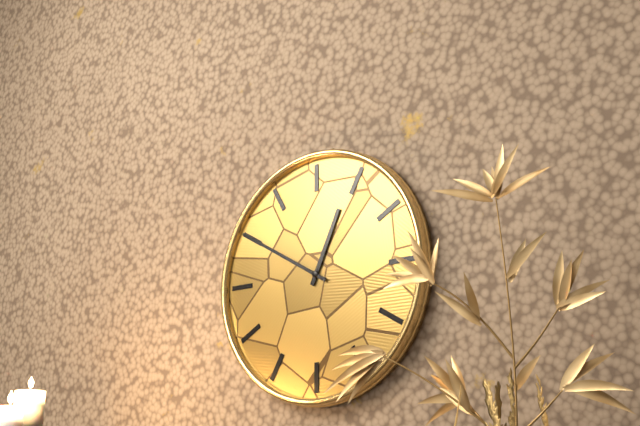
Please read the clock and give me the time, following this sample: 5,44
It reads 12,50
